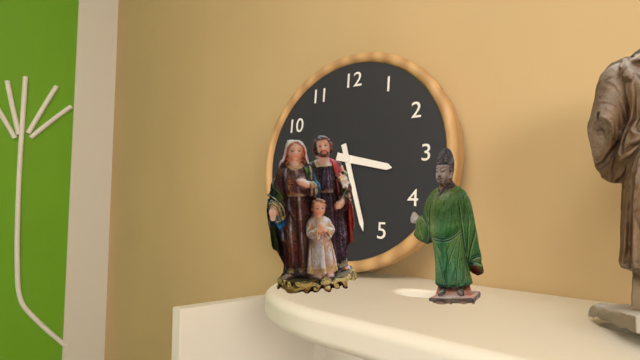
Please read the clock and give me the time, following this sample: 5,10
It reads 3,27
